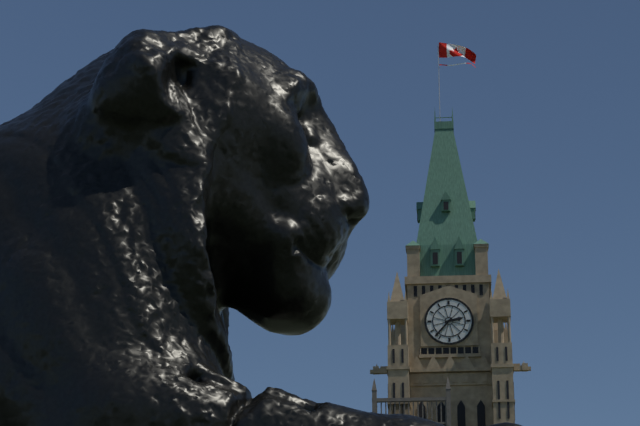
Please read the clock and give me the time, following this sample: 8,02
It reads 2,37
